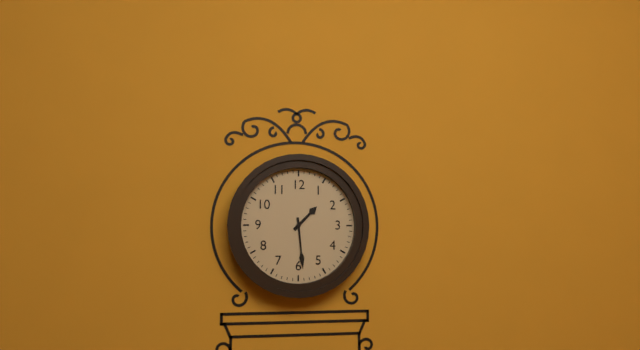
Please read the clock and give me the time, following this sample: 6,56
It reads 1,29
